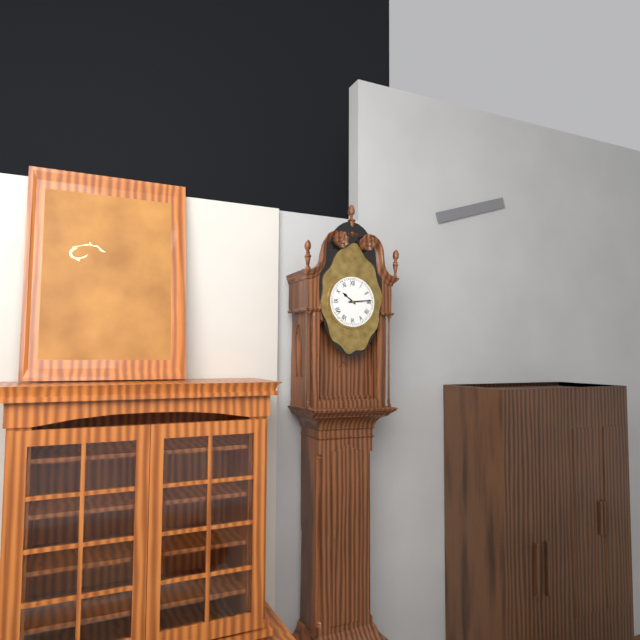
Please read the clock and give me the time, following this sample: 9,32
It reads 10,14
